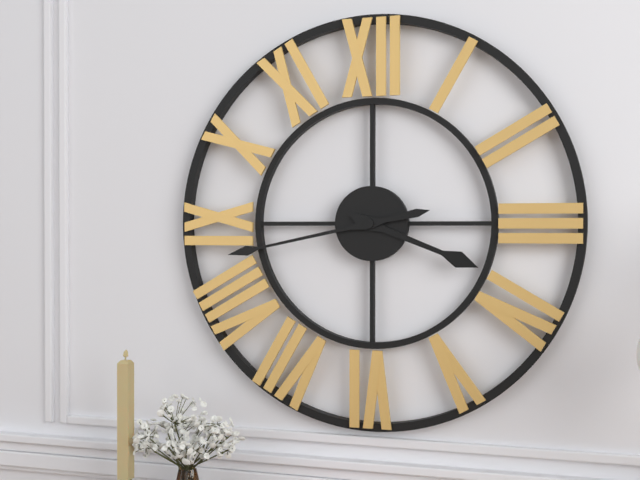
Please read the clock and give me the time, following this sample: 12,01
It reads 3,43
